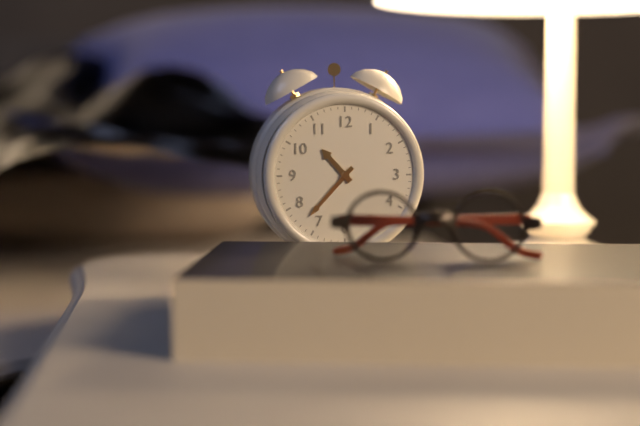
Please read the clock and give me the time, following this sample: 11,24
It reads 10,37
